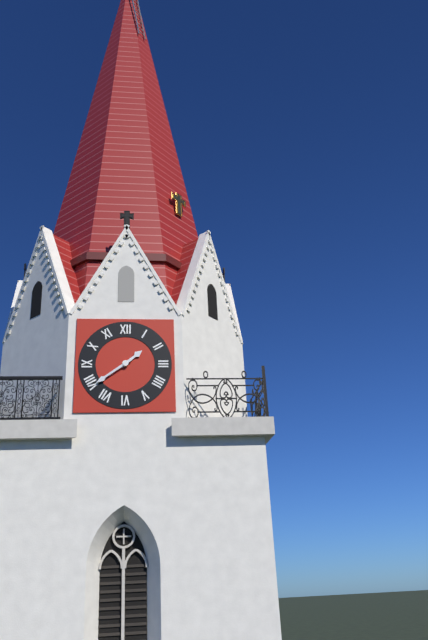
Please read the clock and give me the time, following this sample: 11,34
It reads 1,39
